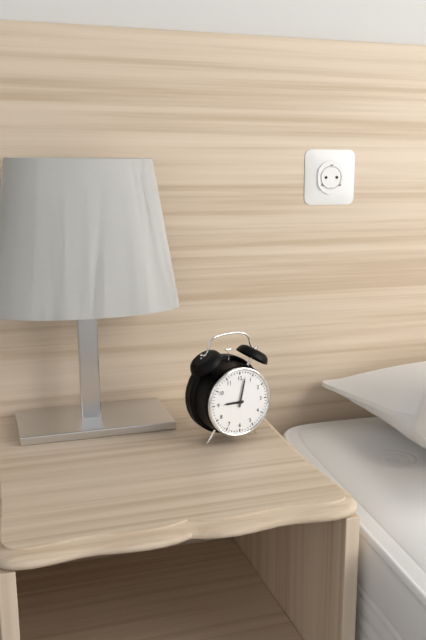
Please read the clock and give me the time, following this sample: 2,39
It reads 9,02
